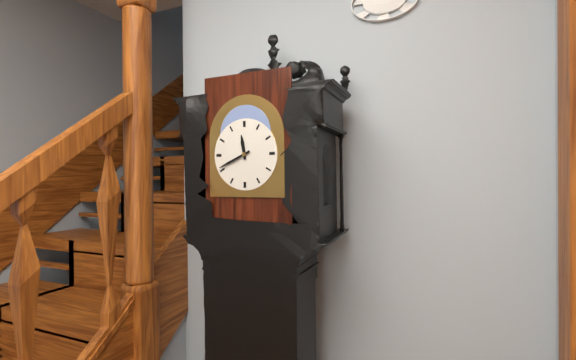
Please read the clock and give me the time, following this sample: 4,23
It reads 11,41
